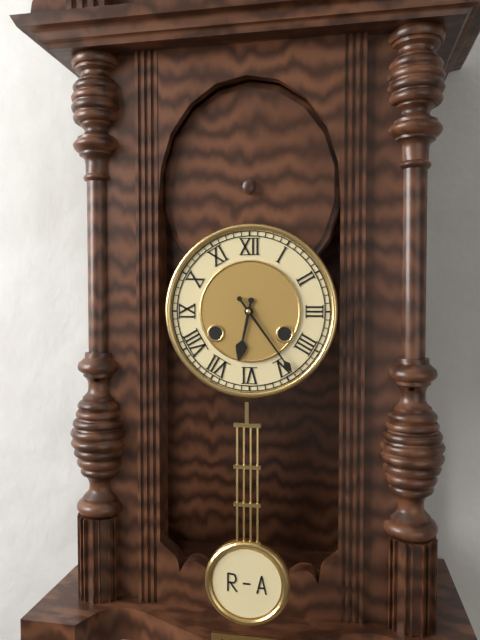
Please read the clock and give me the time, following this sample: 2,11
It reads 6,24
